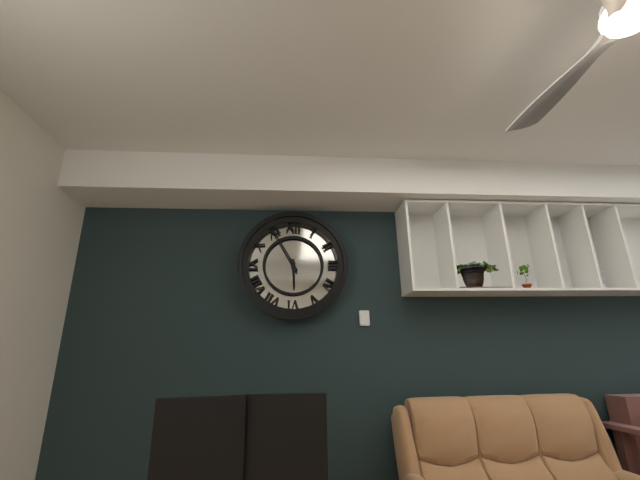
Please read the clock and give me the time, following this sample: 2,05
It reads 5,55
